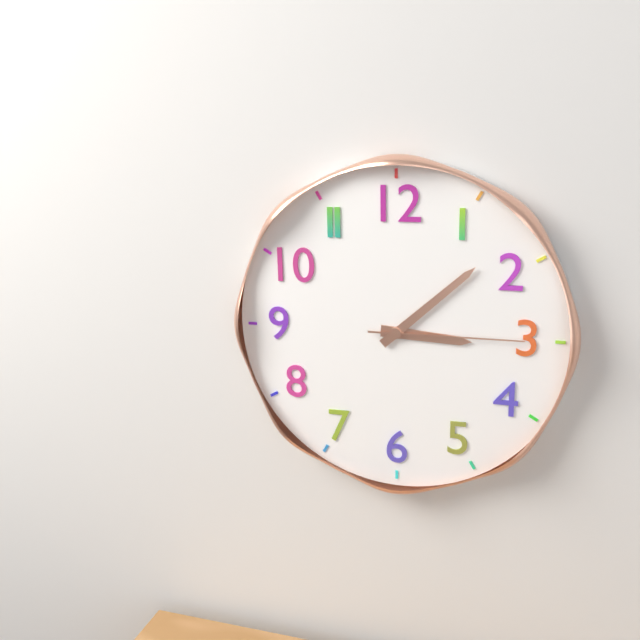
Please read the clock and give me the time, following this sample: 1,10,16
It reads 3,08,15
